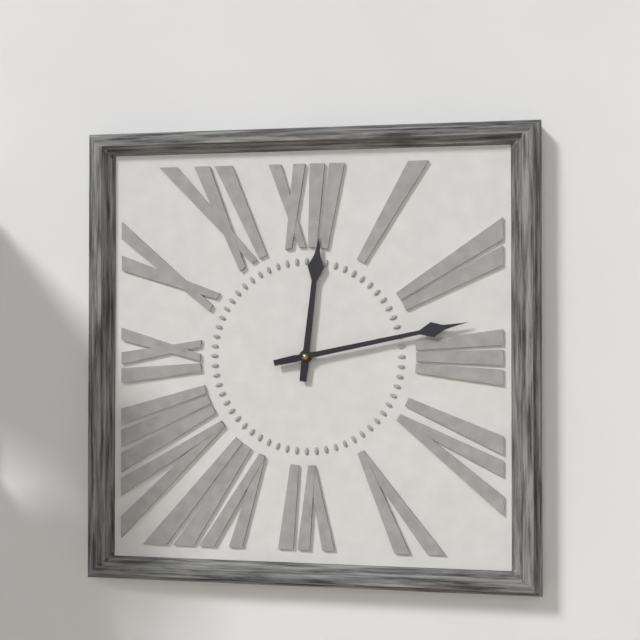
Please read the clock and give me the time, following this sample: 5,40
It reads 12,13
